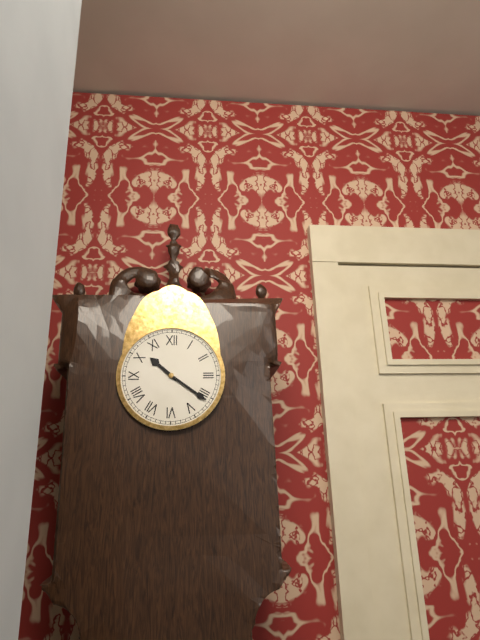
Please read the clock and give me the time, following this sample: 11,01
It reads 10,21
